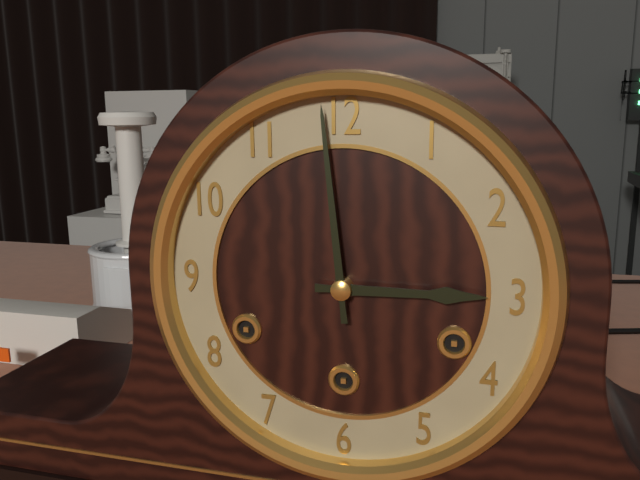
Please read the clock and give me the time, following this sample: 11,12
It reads 2,59
